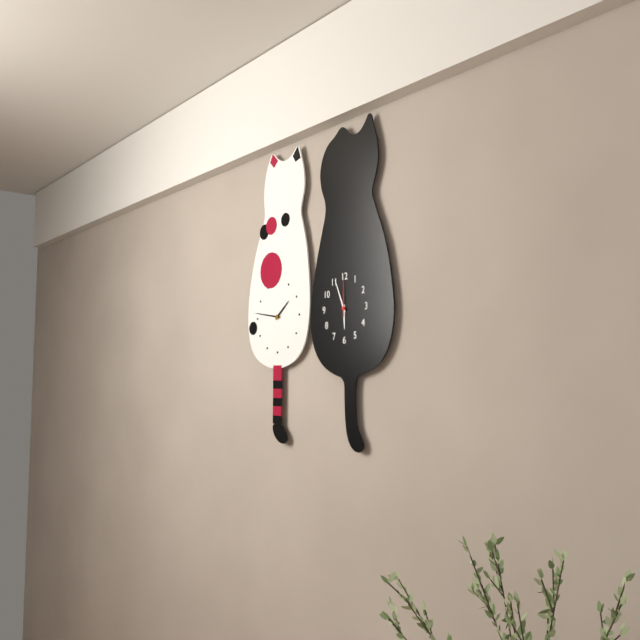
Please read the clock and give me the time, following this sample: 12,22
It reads 5,56
